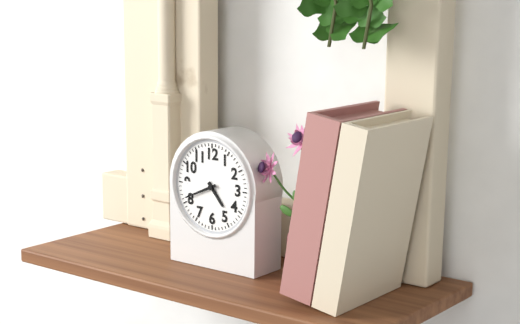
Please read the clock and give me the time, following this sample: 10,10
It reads 4,41
